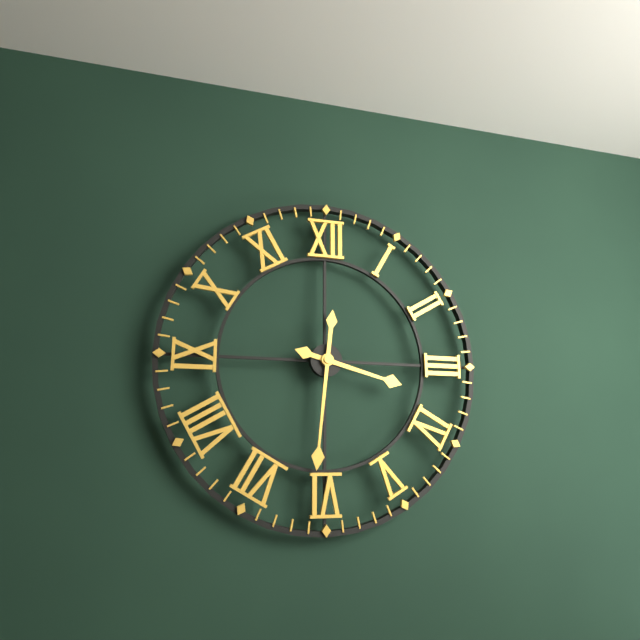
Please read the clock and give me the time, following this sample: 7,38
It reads 3,31
